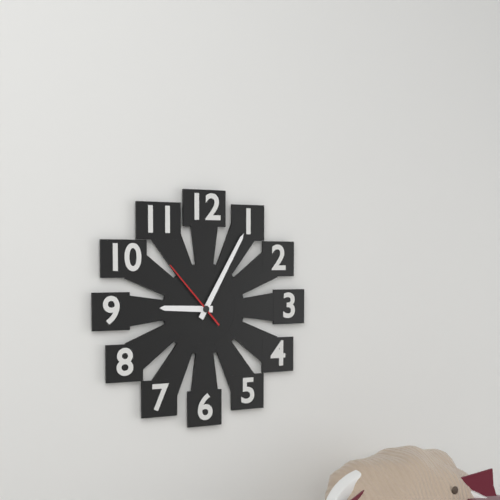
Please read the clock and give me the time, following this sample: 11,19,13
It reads 9,05,53
